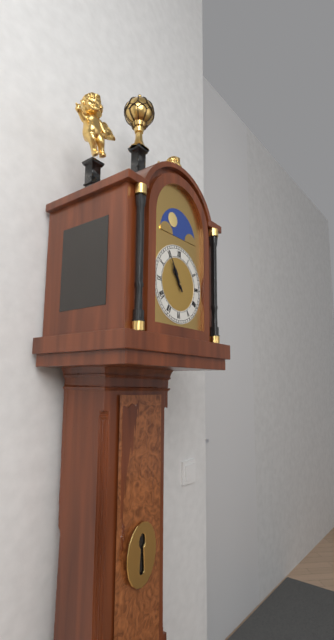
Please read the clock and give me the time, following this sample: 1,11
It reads 10,55
